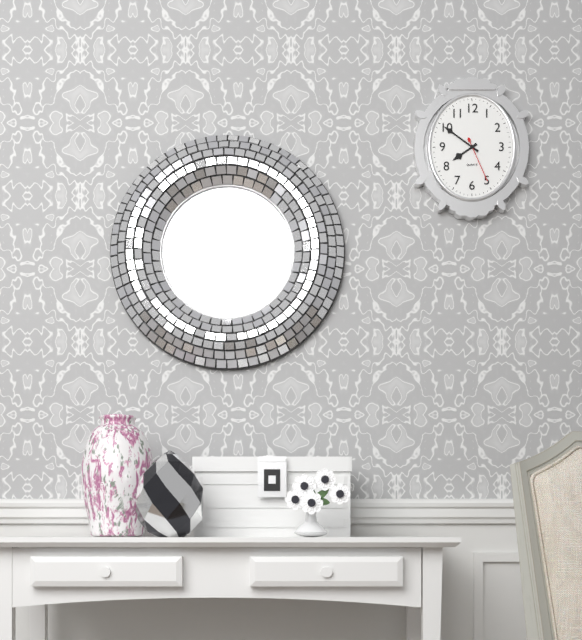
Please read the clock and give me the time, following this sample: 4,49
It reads 7,51
